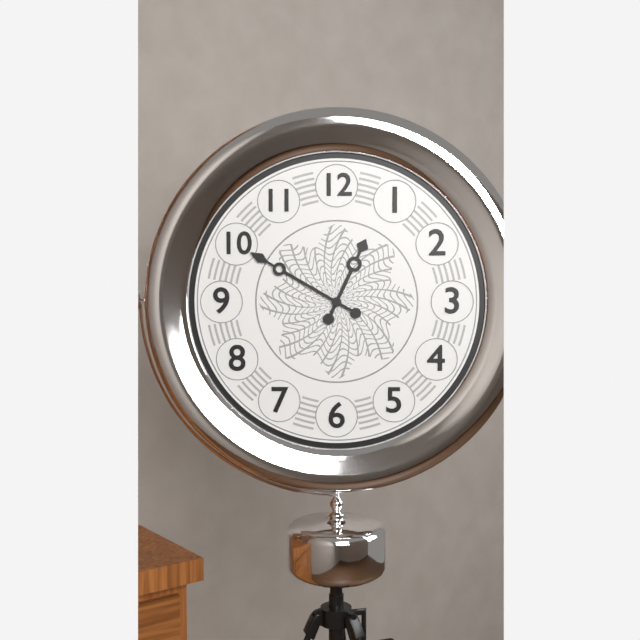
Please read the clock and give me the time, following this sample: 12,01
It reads 12,50
